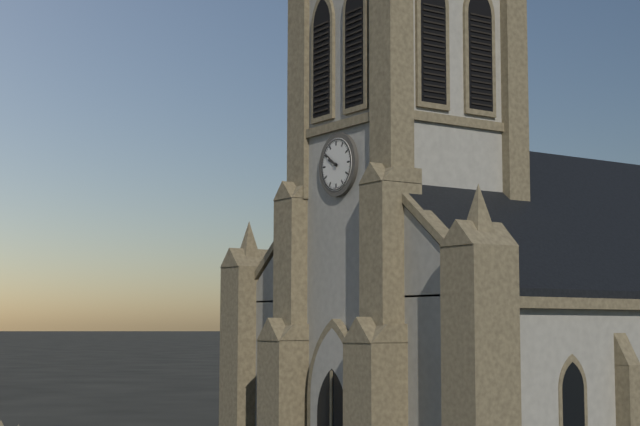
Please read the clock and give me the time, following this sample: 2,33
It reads 9,51
